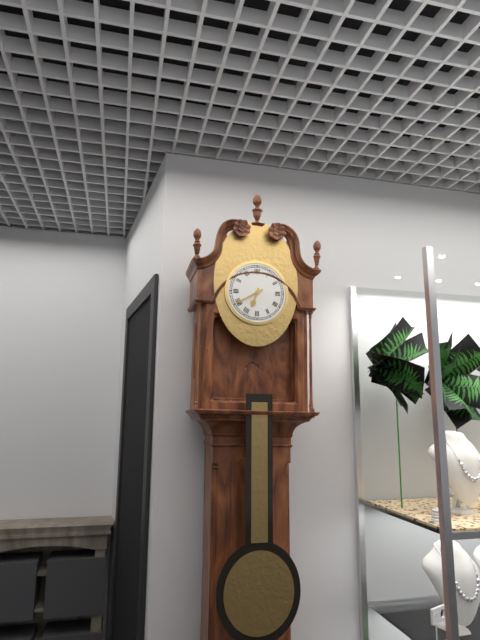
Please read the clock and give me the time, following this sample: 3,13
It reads 6,40
